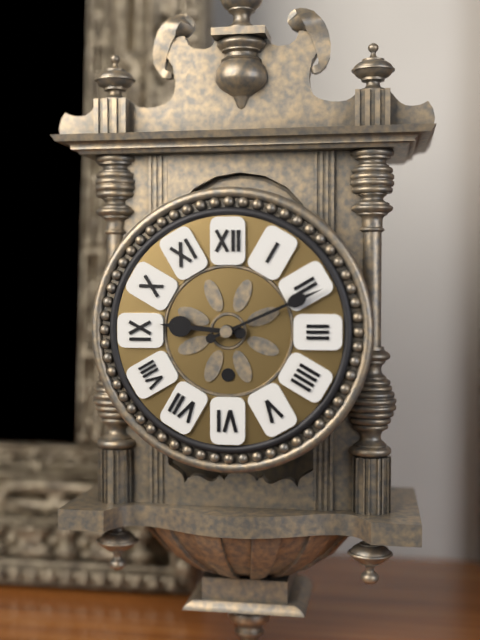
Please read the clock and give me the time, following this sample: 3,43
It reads 9,11
